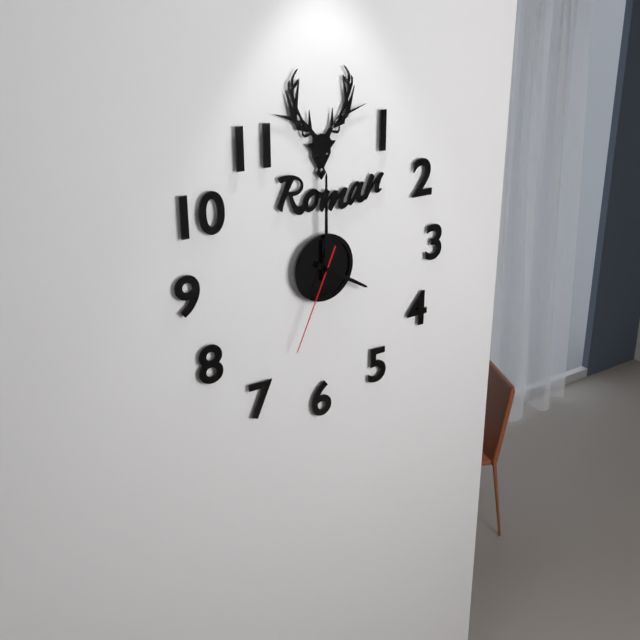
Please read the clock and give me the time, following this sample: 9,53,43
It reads 4,00,34
